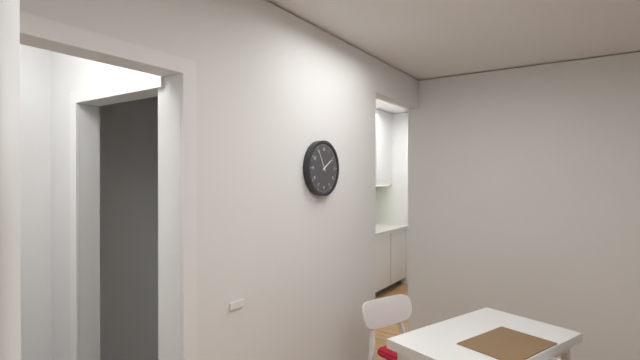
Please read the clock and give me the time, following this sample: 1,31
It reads 1,55
